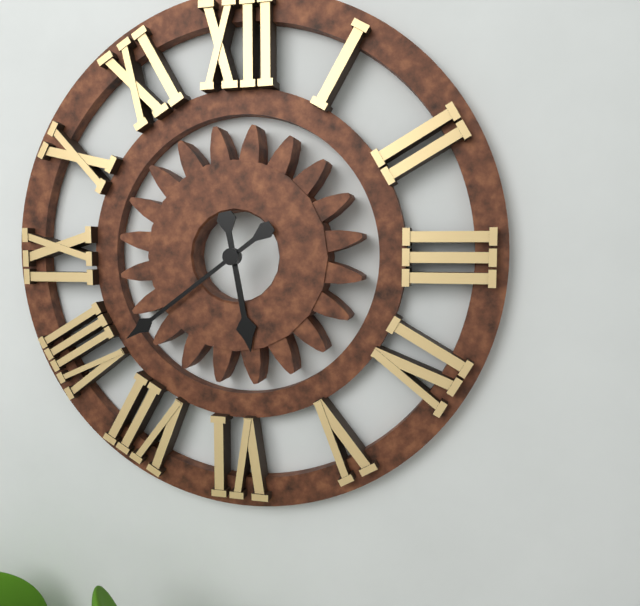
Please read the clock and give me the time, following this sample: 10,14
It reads 5,39
